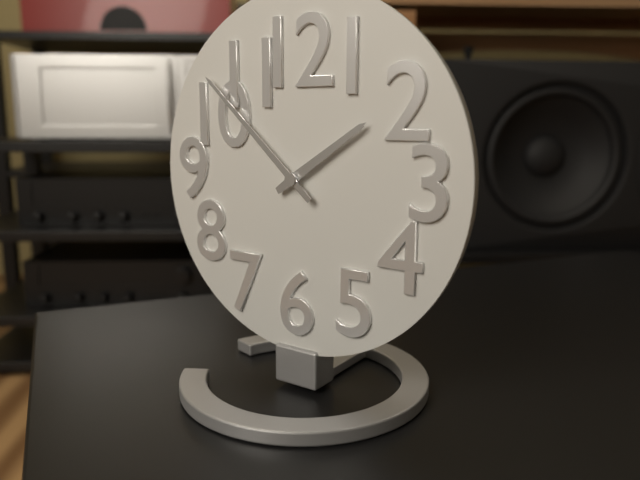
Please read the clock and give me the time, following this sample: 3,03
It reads 1,52
